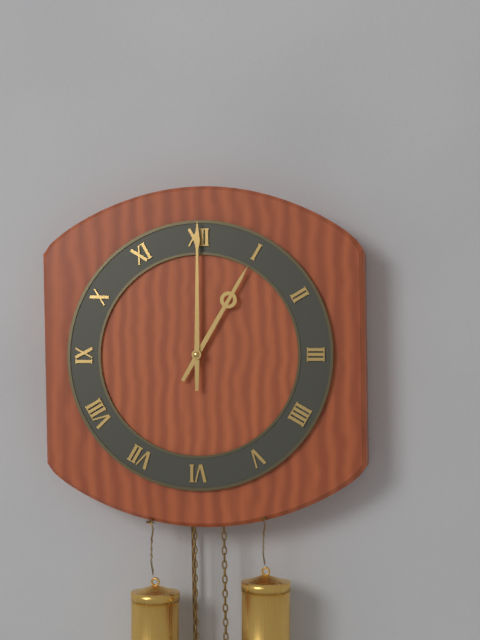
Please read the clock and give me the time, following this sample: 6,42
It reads 1,00
